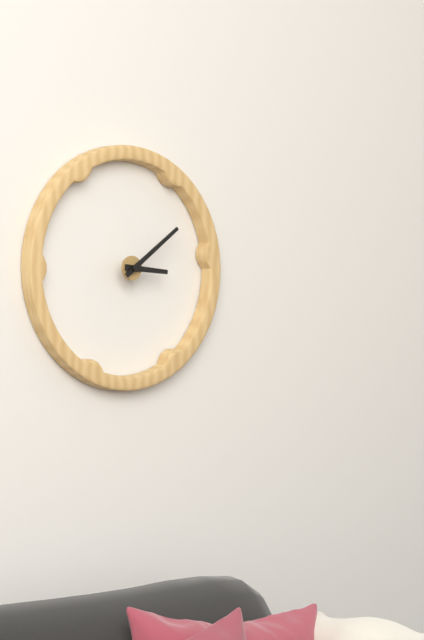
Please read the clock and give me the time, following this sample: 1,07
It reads 3,09
